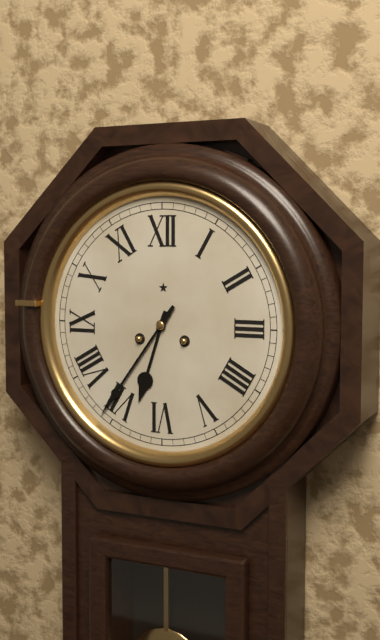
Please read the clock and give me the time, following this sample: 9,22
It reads 6,36
